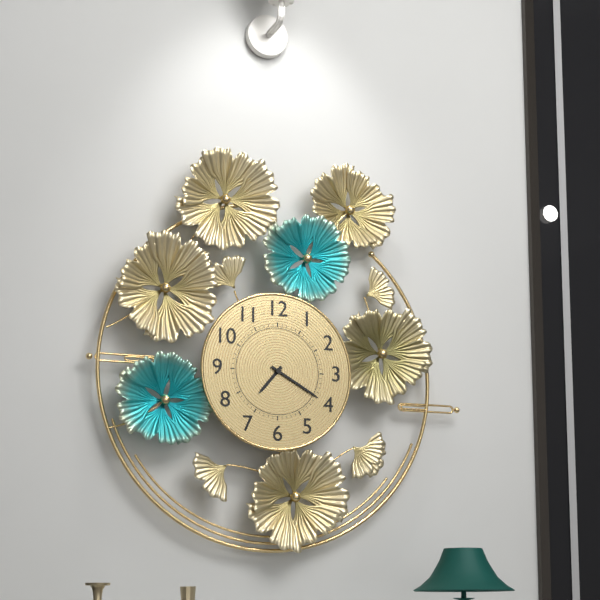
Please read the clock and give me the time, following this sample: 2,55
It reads 7,20
